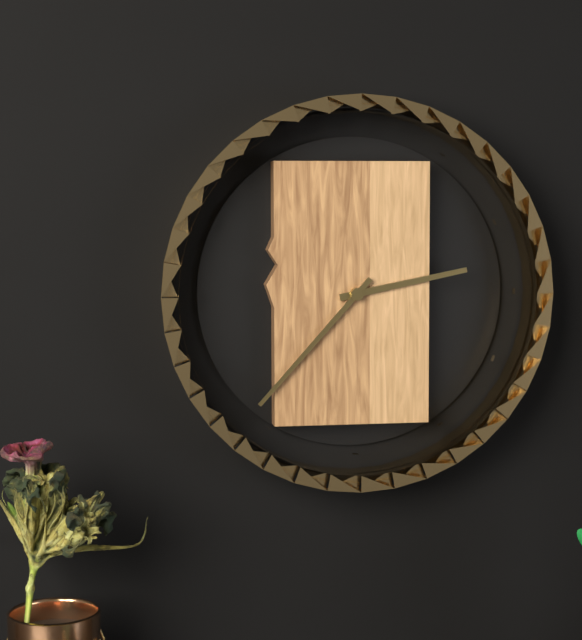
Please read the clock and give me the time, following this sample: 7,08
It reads 2,37
